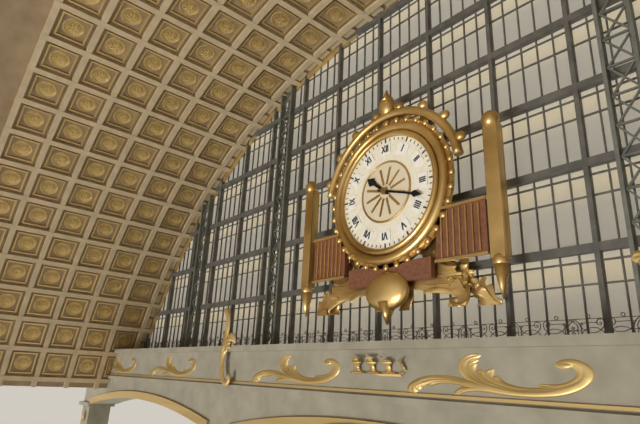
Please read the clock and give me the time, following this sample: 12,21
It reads 10,18
